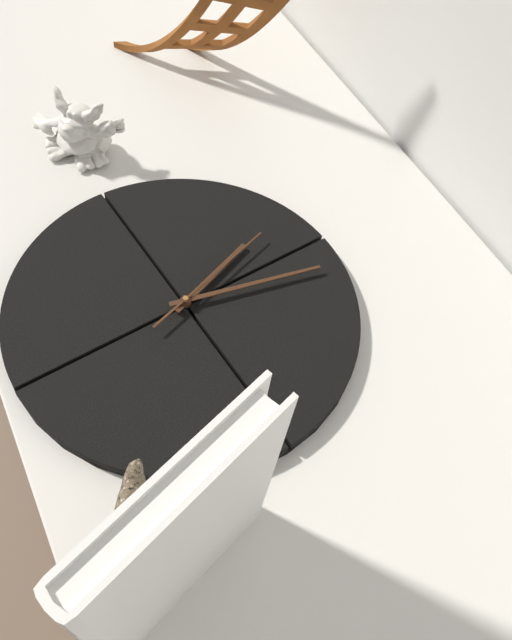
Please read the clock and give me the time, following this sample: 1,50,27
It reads 12,06,01
